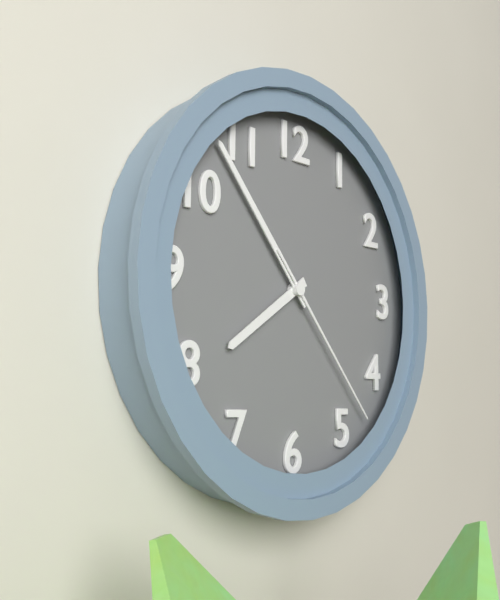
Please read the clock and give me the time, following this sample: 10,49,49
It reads 7,53,23
